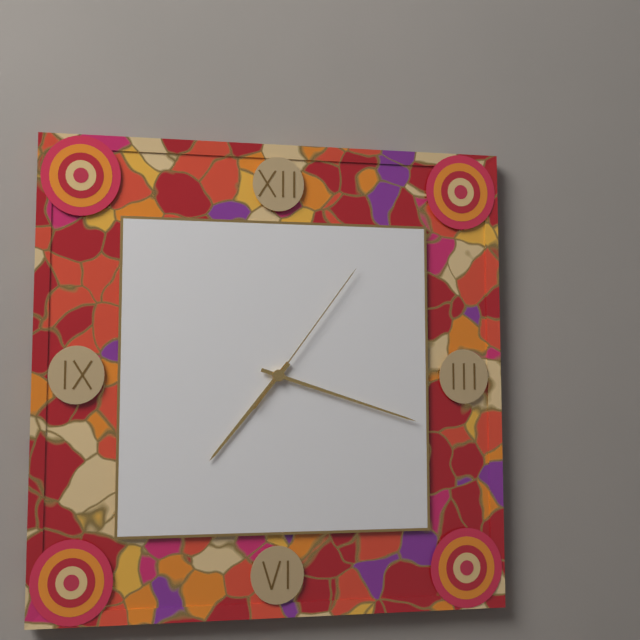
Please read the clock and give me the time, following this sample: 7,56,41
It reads 7,18,06
